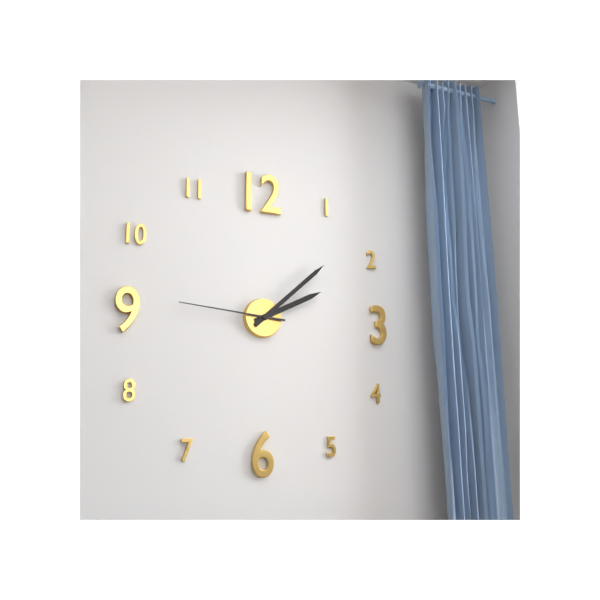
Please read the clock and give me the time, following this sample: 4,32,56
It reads 2,08,46
